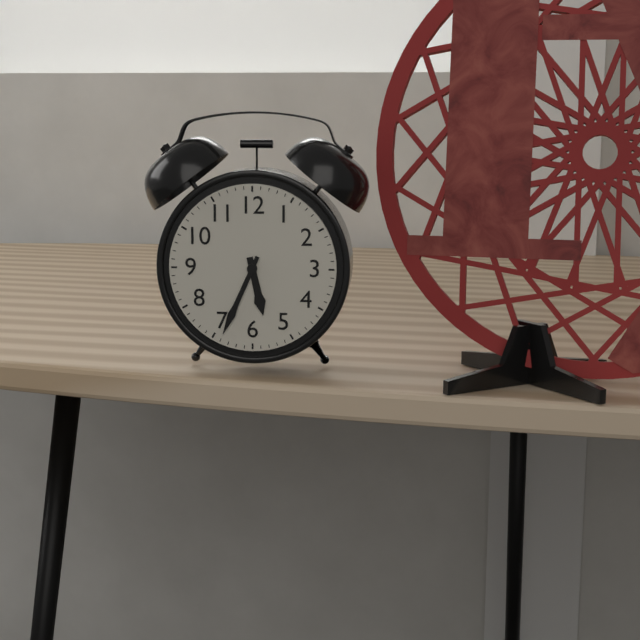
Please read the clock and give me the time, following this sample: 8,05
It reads 5,34
